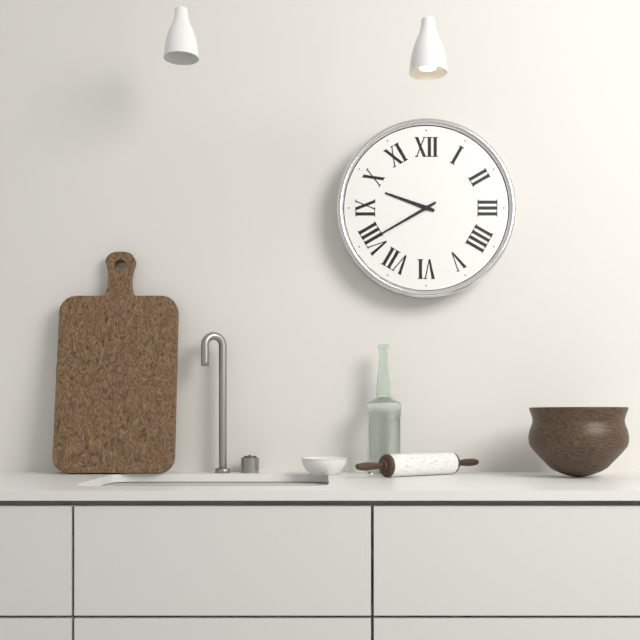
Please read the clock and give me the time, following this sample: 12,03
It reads 9,40
